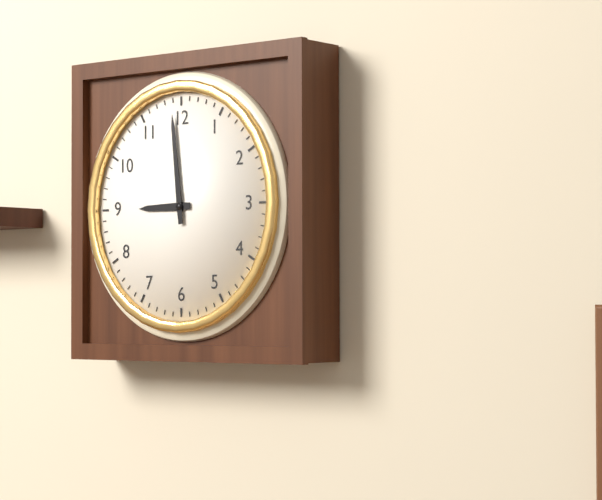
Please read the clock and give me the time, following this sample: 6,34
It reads 8,59
